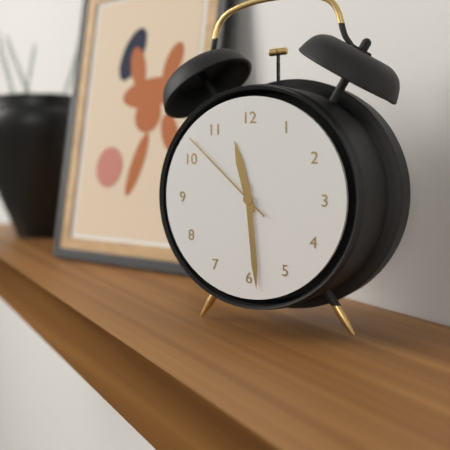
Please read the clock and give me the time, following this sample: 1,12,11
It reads 11,29,52
